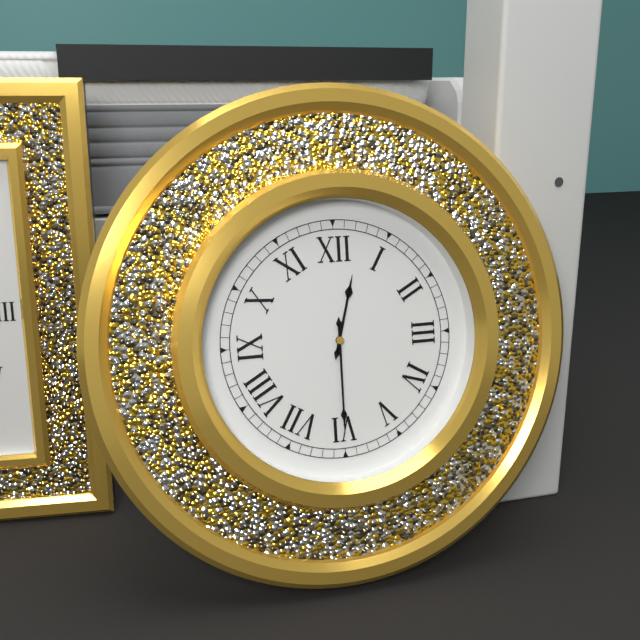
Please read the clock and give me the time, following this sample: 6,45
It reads 12,30
